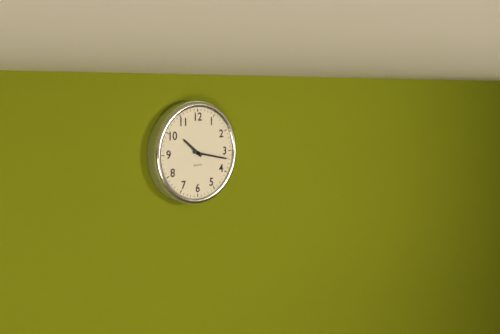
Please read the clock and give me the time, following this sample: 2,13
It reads 10,17
